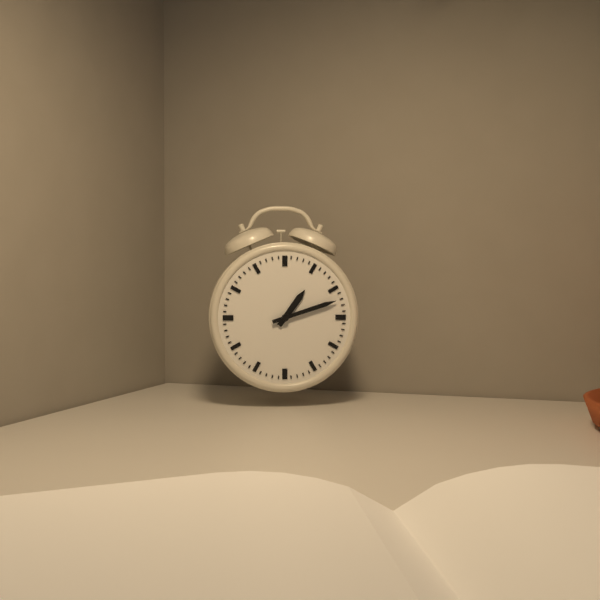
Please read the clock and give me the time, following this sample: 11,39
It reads 1,12
